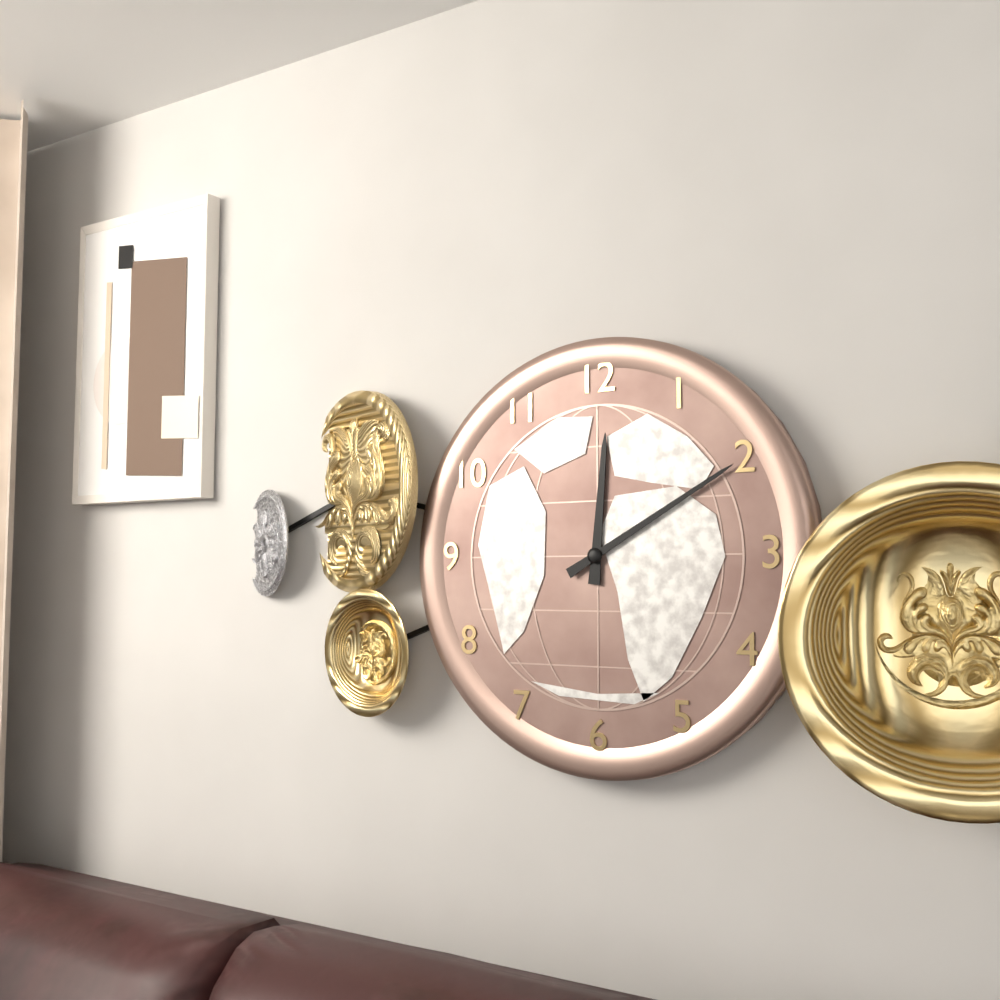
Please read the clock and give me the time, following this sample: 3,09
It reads 12,10
